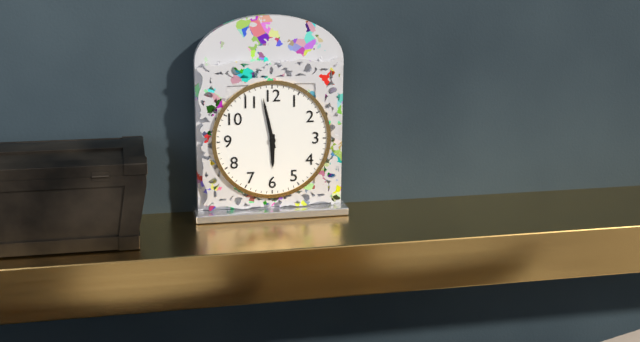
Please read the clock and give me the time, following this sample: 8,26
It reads 5,58
